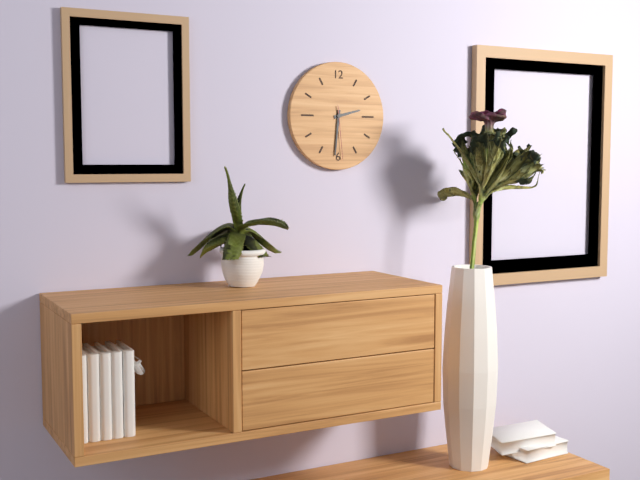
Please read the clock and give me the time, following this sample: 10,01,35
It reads 2,31,29
